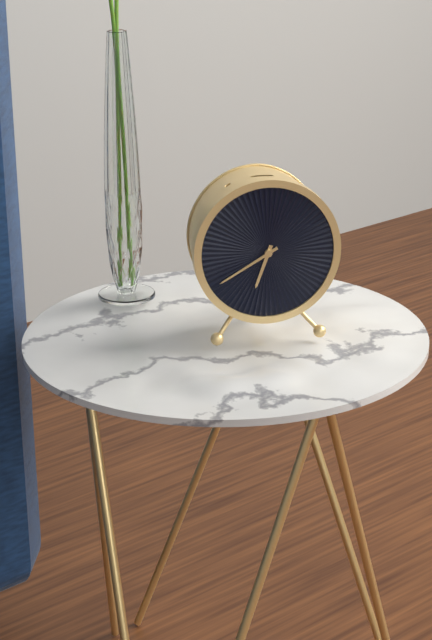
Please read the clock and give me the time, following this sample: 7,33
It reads 6,40
